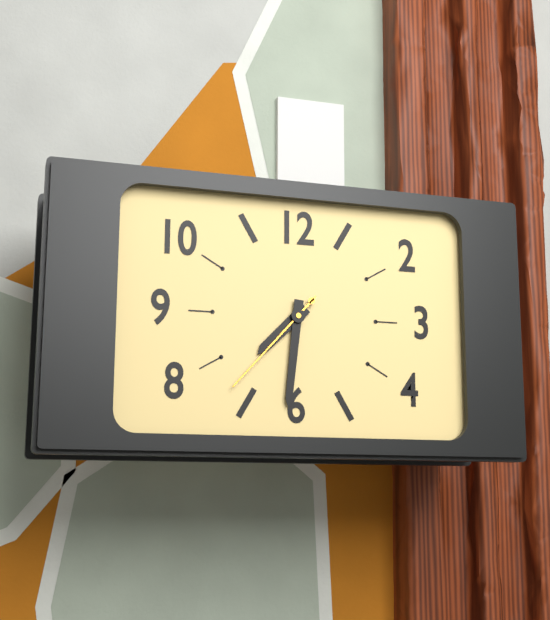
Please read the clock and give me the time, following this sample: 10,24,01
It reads 7,31,37
